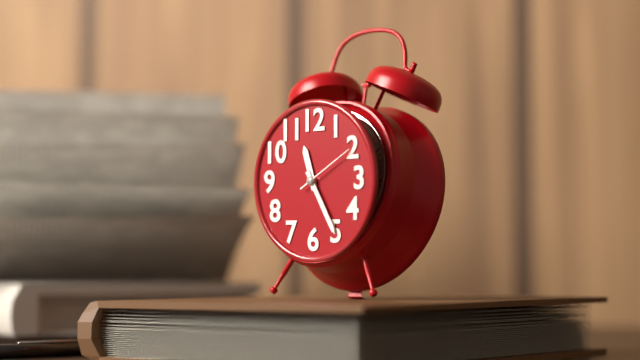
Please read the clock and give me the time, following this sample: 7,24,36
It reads 11,25,10
